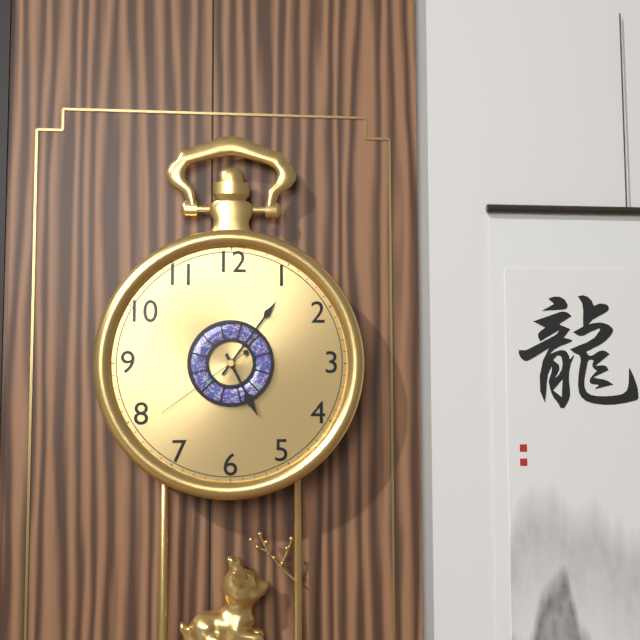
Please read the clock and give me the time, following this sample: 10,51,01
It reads 5,06,39
